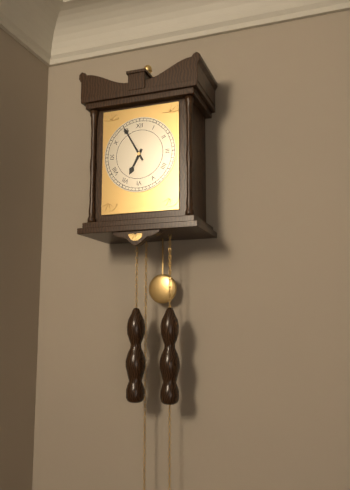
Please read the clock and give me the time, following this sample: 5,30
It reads 6,55
